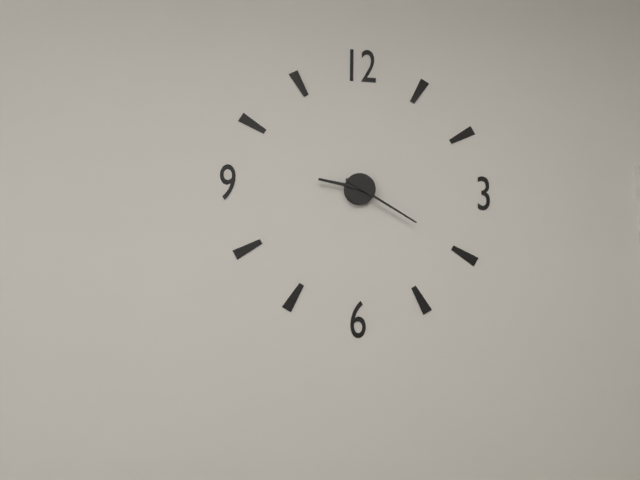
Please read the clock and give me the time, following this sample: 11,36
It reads 9,20
